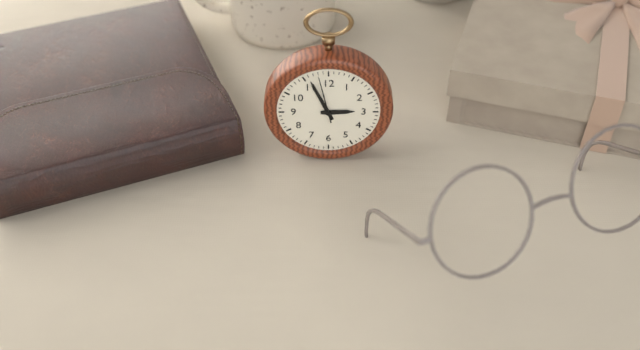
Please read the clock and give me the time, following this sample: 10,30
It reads 2,56
